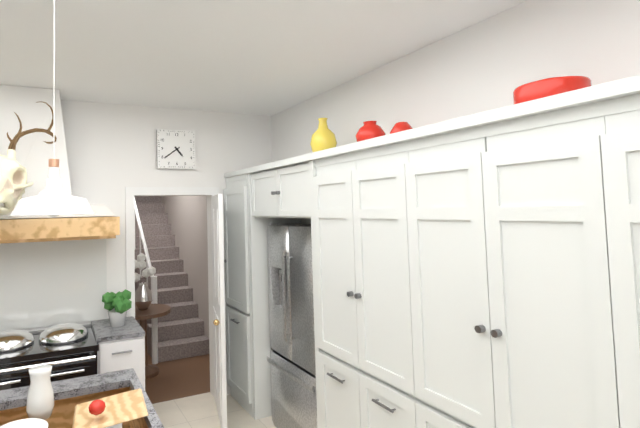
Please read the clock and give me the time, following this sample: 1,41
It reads 4,39
